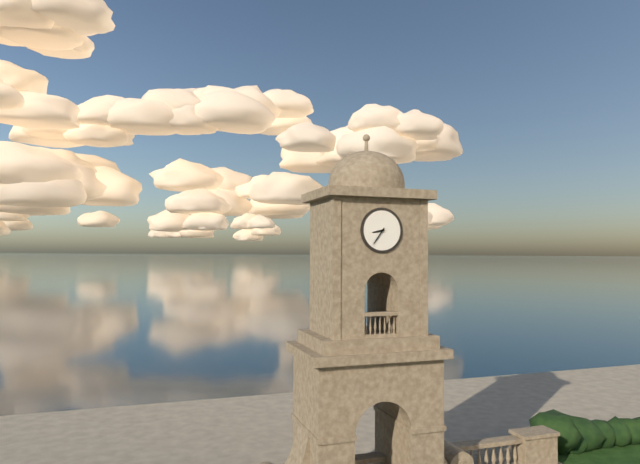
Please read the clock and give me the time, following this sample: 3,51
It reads 8,36
